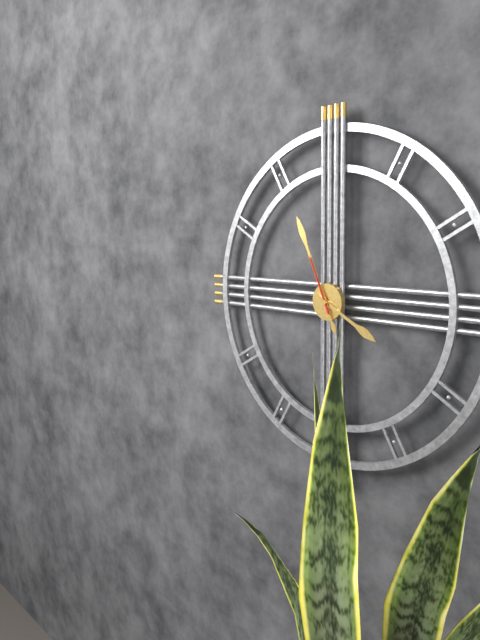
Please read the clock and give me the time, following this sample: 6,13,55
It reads 3,56,56
